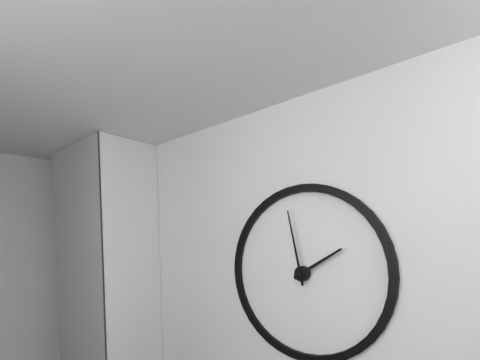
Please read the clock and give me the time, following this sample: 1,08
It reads 1,58
